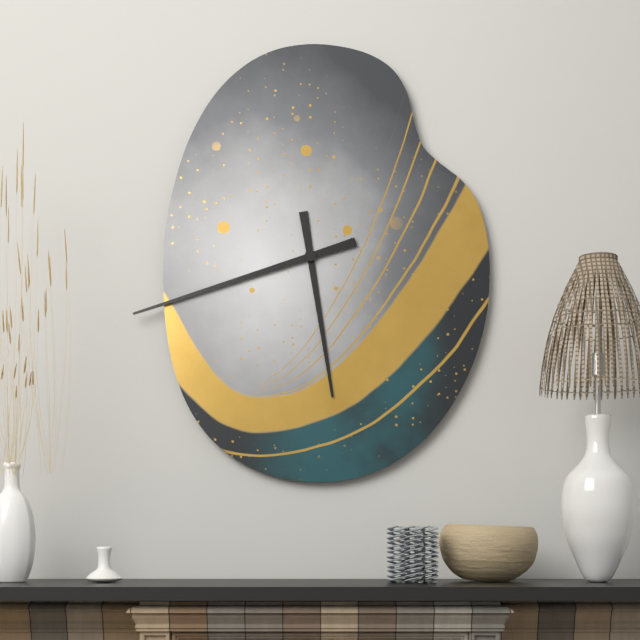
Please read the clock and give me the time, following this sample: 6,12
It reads 5,42
